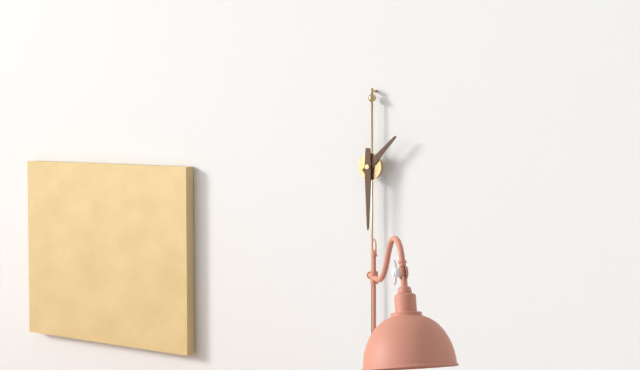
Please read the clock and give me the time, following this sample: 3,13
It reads 1,30
